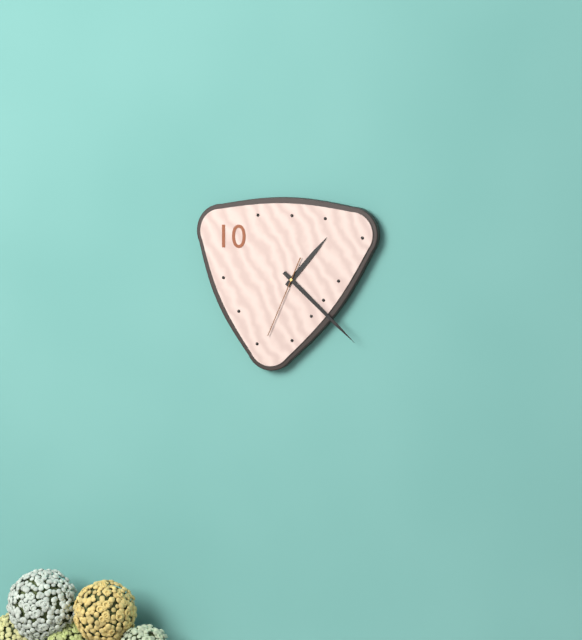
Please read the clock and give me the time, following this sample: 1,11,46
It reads 1,22,34
